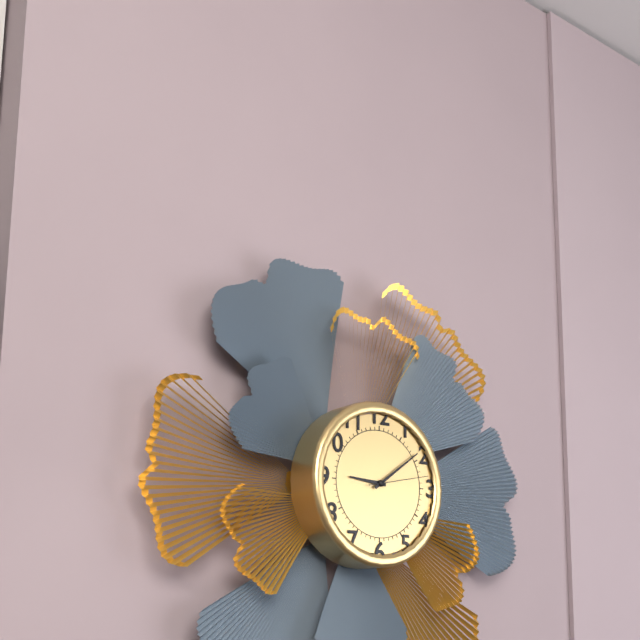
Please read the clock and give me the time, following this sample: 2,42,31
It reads 9,09,13
